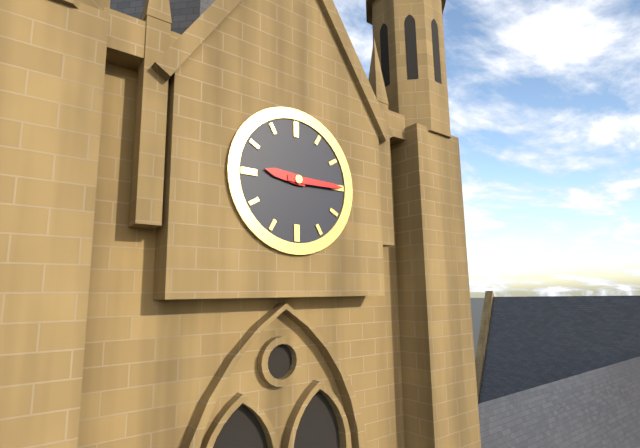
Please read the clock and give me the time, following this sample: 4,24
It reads 9,15
